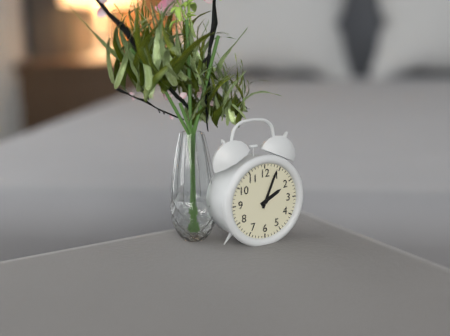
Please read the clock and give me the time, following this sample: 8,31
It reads 2,04
